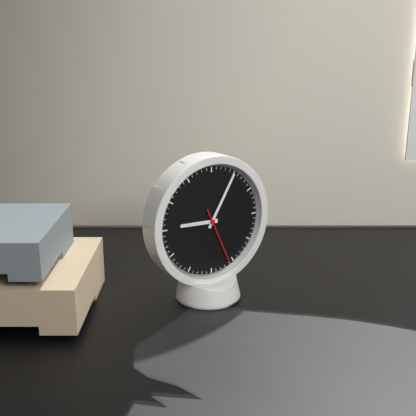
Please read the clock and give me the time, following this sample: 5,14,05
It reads 9,05,26
